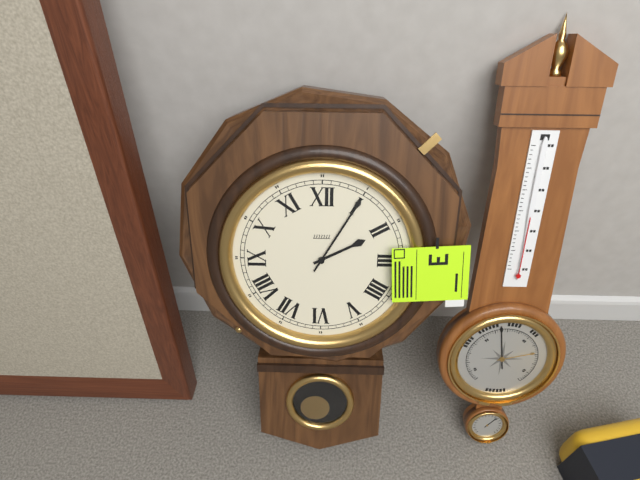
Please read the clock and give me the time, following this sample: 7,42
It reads 2,05
